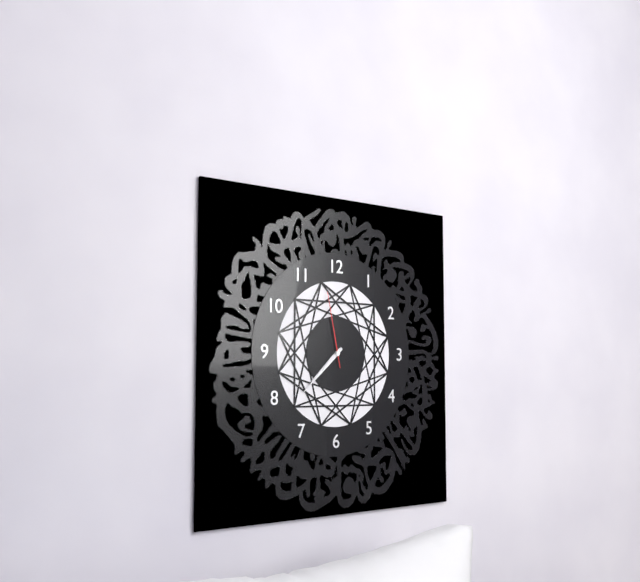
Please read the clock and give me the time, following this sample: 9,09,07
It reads 7,38,58
